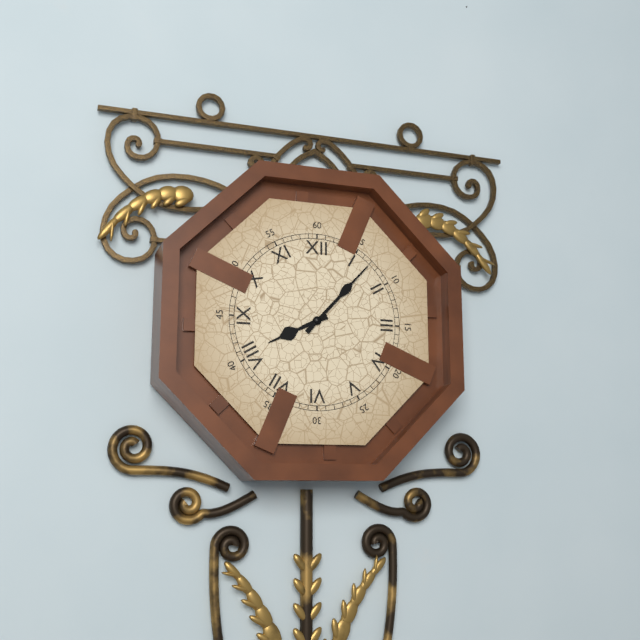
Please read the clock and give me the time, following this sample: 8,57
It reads 8,07
